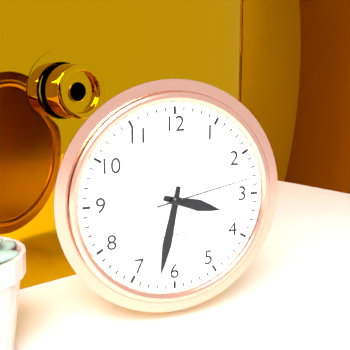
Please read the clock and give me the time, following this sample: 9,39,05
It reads 3,32,13
